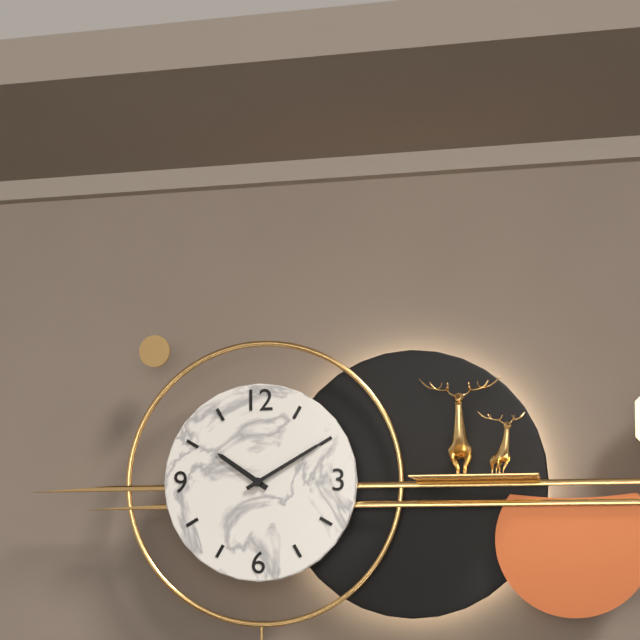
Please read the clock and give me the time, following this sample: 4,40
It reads 10,10
